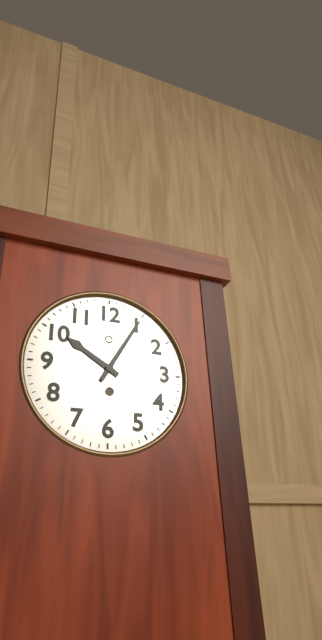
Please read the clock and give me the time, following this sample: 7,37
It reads 10,05
